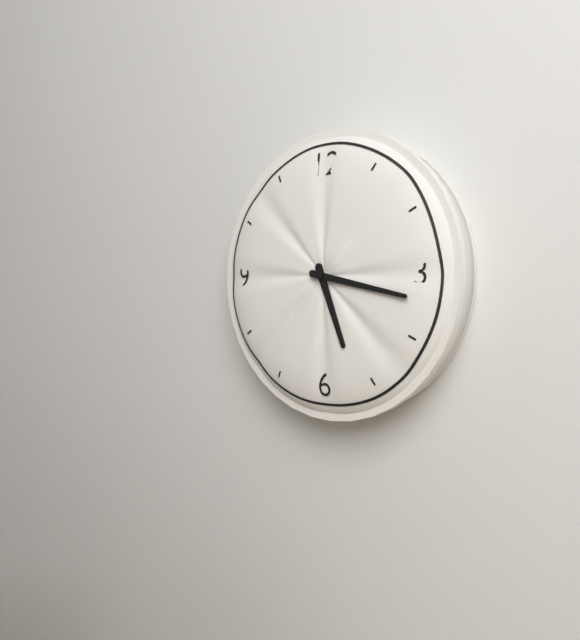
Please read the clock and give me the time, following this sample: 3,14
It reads 5,17
